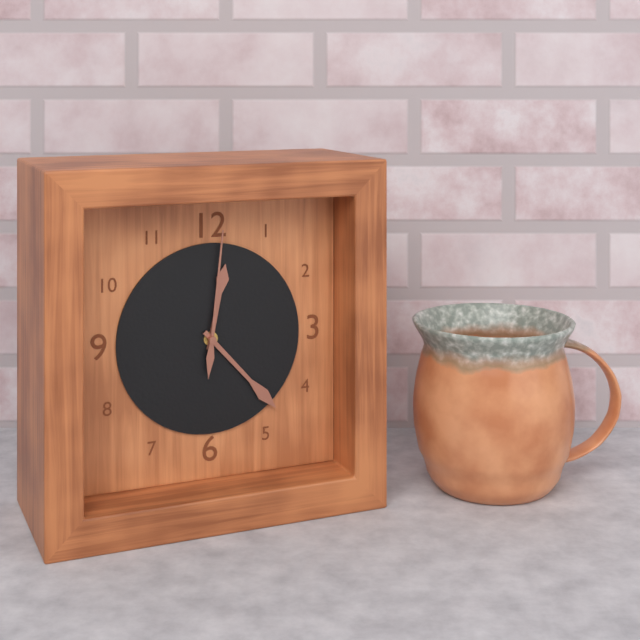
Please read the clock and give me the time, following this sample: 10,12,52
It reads 12,23,01
